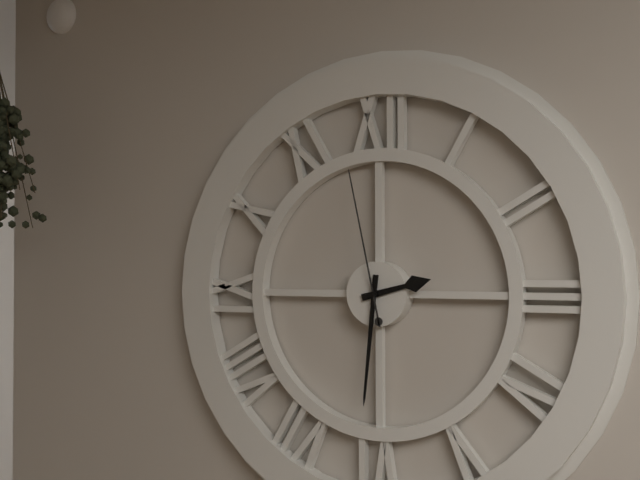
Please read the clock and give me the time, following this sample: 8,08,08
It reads 2,31,58
